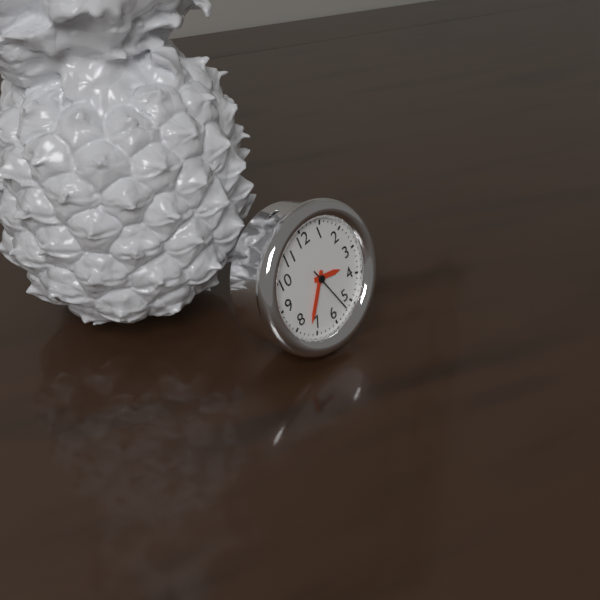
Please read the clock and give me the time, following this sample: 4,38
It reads 3,37
